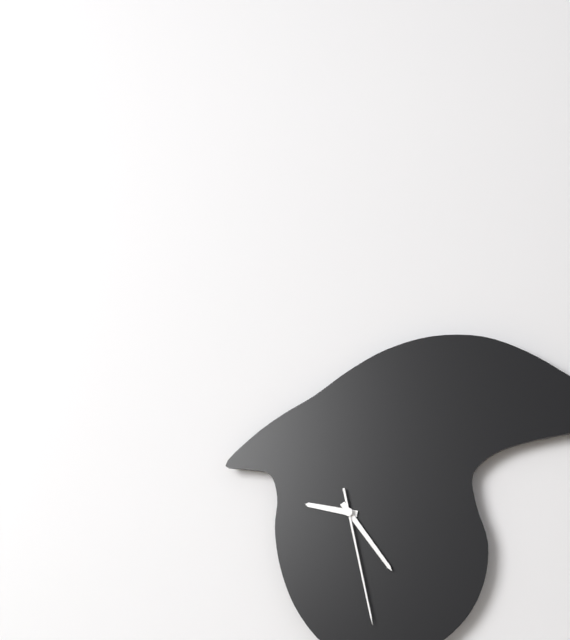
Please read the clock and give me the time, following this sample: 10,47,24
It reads 9,24,28
